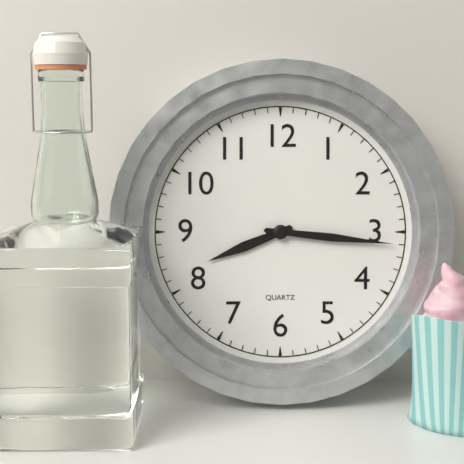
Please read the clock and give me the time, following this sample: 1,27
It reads 8,16
